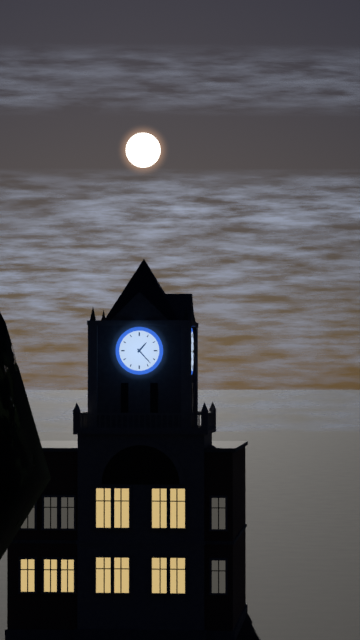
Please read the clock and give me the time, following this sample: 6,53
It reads 1,23
